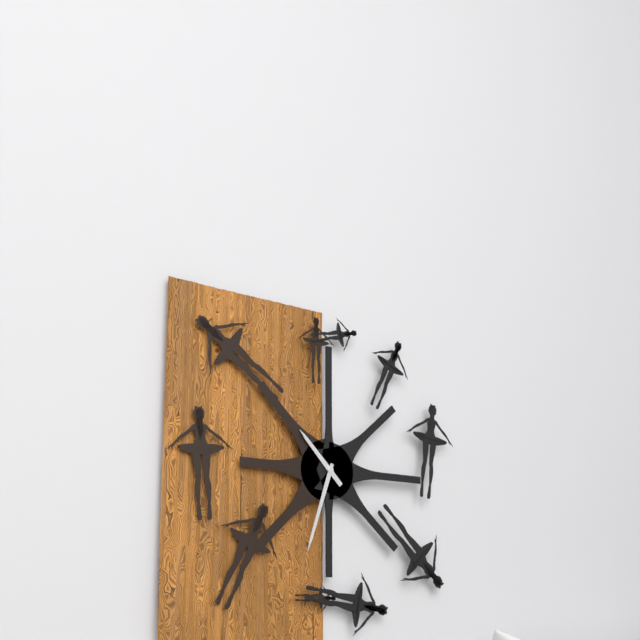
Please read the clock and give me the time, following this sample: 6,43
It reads 10,33
